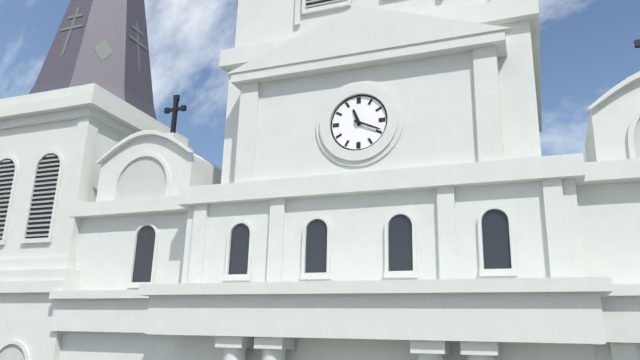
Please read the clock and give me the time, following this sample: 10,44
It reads 11,19
